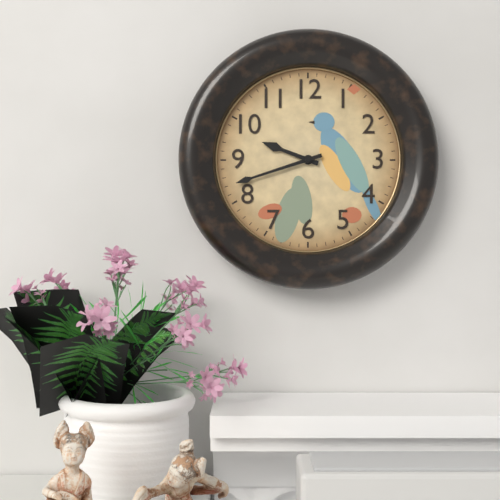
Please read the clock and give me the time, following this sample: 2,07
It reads 9,42
